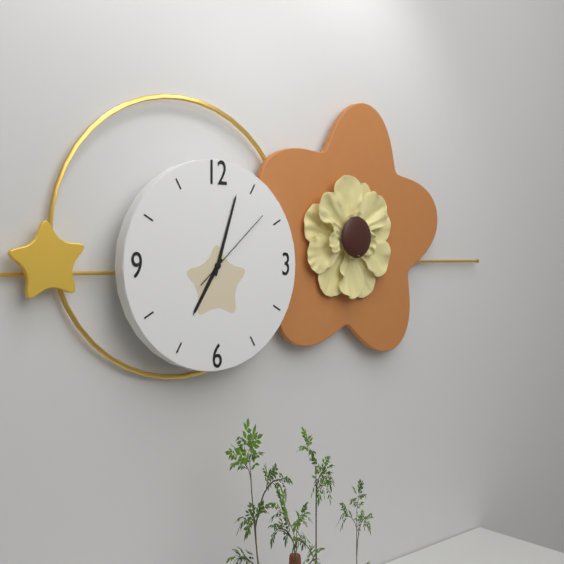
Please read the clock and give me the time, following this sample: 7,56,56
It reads 7,03,08
